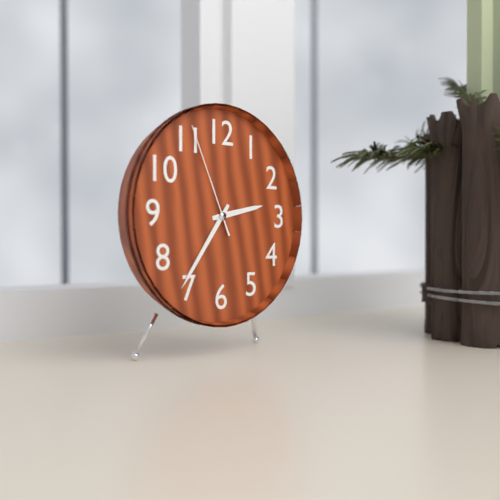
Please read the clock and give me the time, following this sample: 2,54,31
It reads 2,36,56
